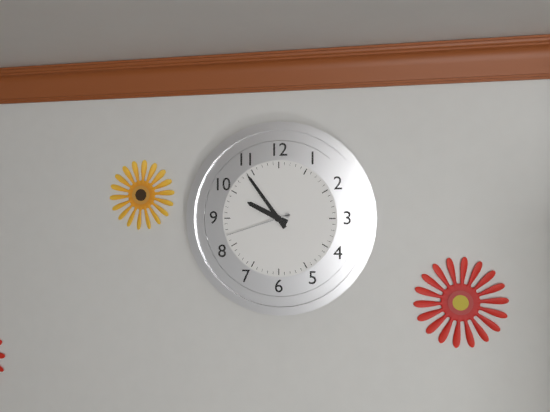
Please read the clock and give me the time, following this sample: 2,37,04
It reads 9,54,42
